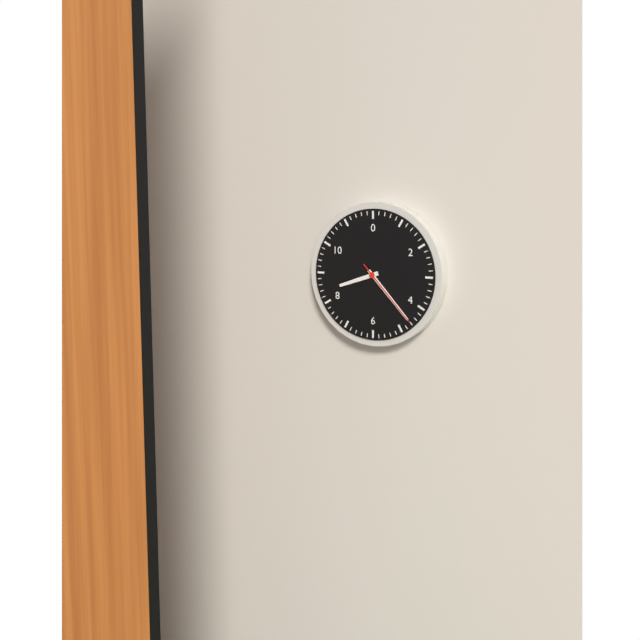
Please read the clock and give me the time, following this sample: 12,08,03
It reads 8,23,23
